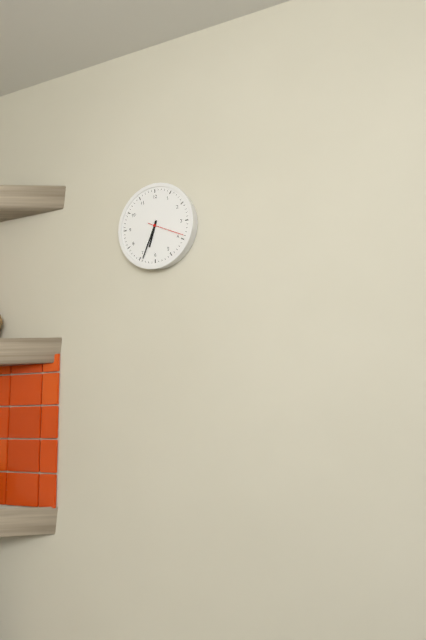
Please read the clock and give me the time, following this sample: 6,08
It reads 6,34
